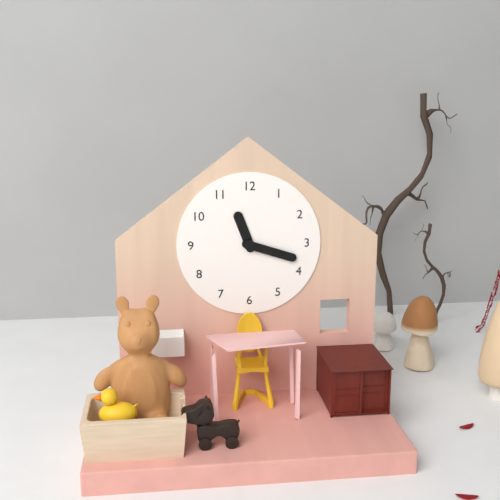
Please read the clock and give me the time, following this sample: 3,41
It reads 11,18
